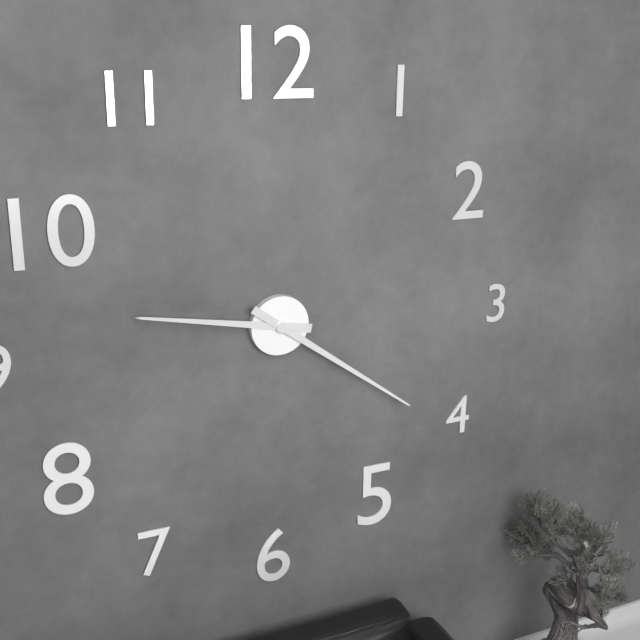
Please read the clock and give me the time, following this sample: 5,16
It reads 9,21
